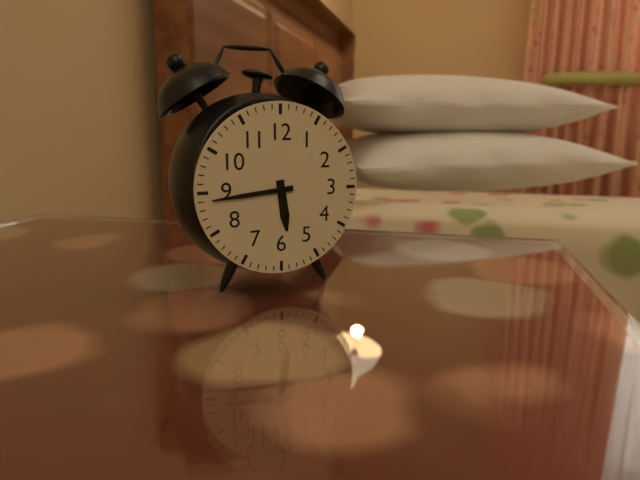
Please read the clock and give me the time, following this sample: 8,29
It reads 5,44
